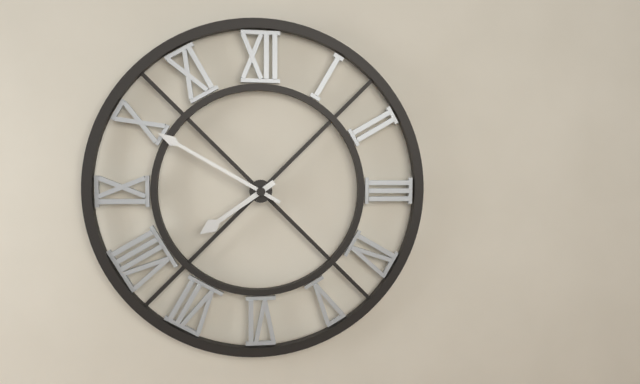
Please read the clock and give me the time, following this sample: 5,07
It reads 7,50
